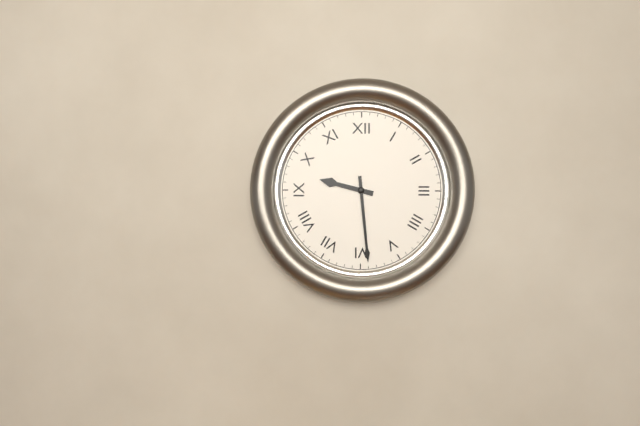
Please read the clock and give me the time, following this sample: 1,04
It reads 9,29
